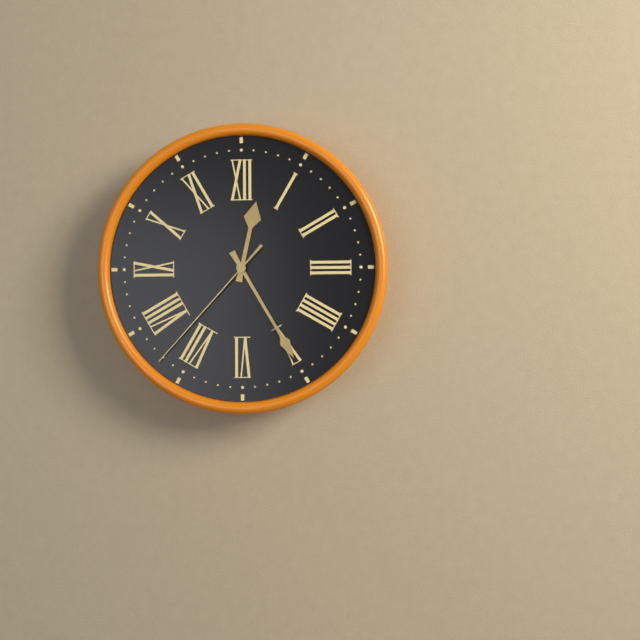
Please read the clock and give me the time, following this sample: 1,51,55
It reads 12,25,37
